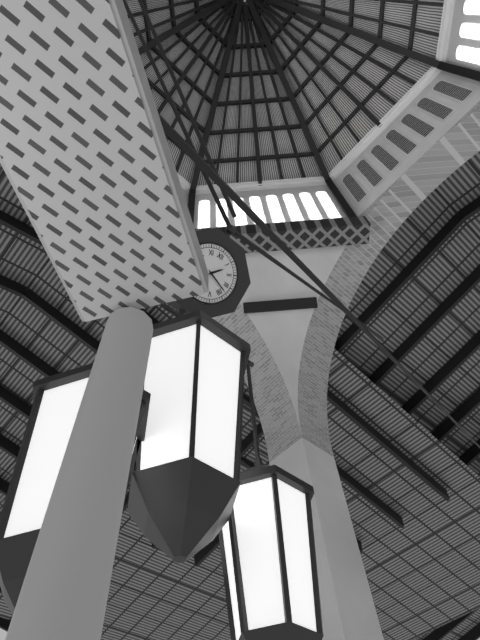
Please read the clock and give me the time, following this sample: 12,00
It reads 1,18
